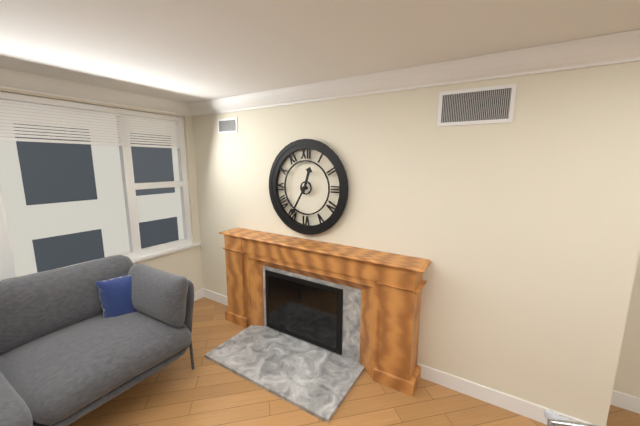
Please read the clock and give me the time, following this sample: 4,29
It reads 12,35
